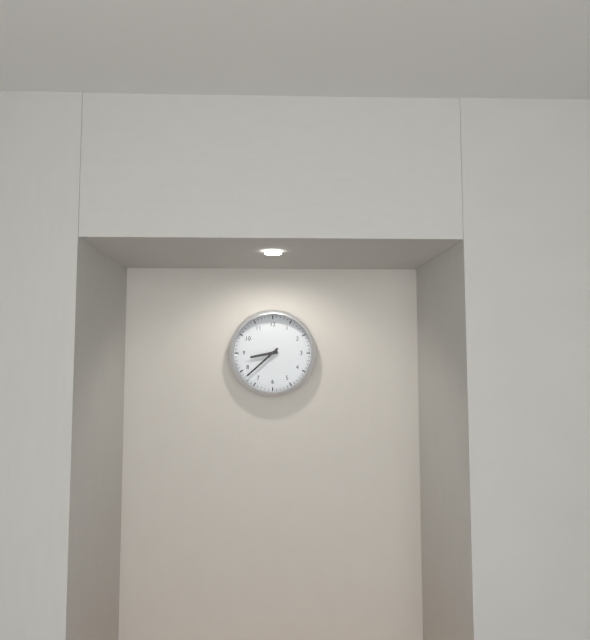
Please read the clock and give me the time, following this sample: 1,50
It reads 8,38
